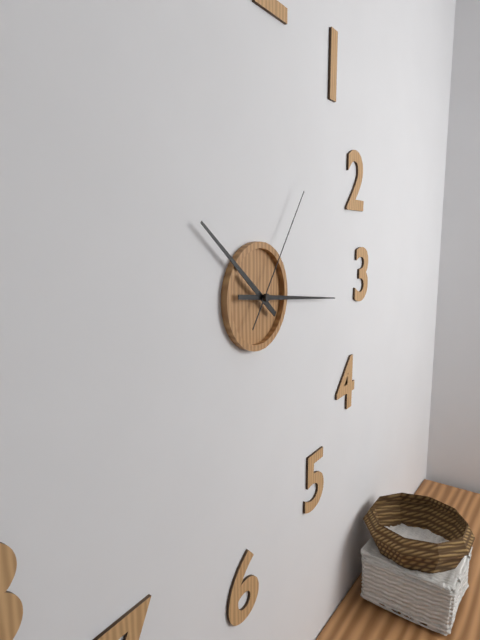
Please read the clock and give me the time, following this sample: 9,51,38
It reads 10,16,06
